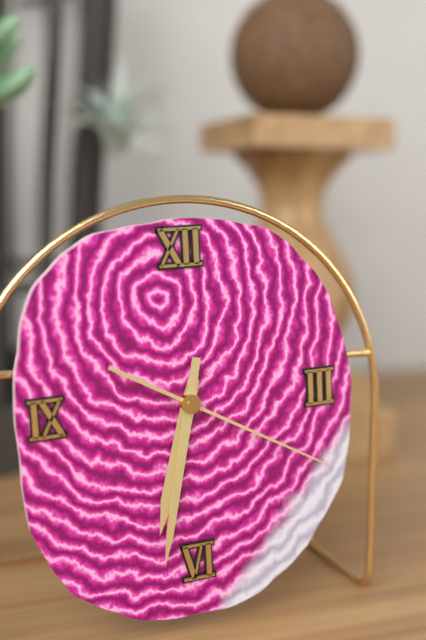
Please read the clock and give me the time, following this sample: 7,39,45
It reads 6,32,20
